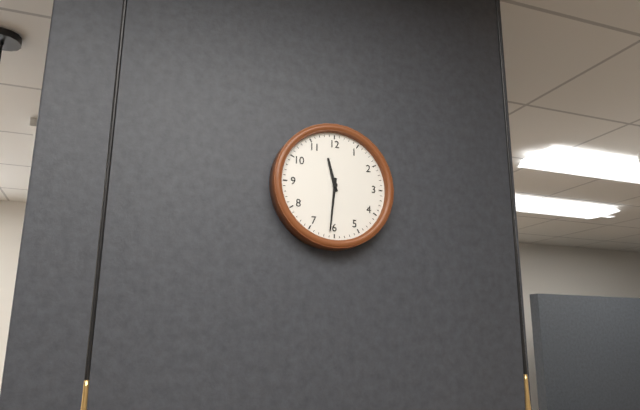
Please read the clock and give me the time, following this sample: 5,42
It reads 11,31
